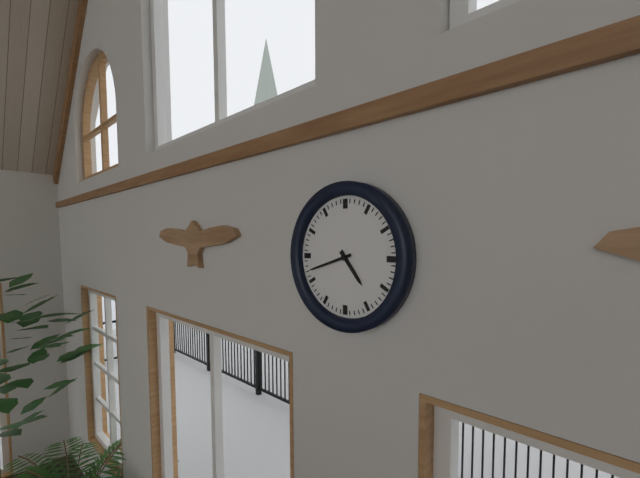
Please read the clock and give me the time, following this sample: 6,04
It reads 4,42
